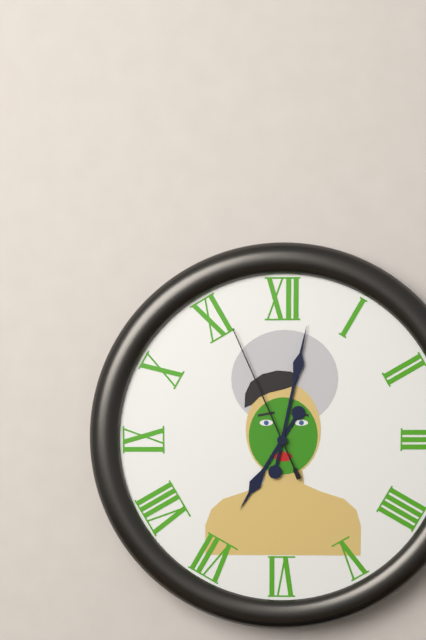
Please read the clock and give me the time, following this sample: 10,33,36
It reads 7,02,56
